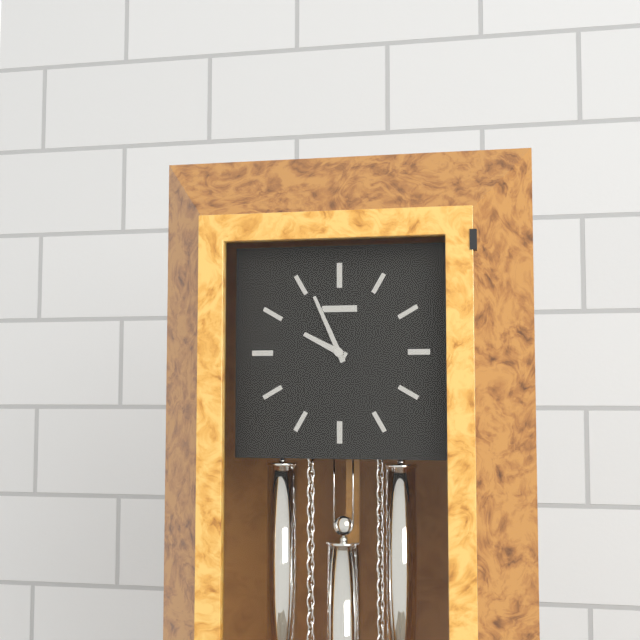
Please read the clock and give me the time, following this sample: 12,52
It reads 9,56
